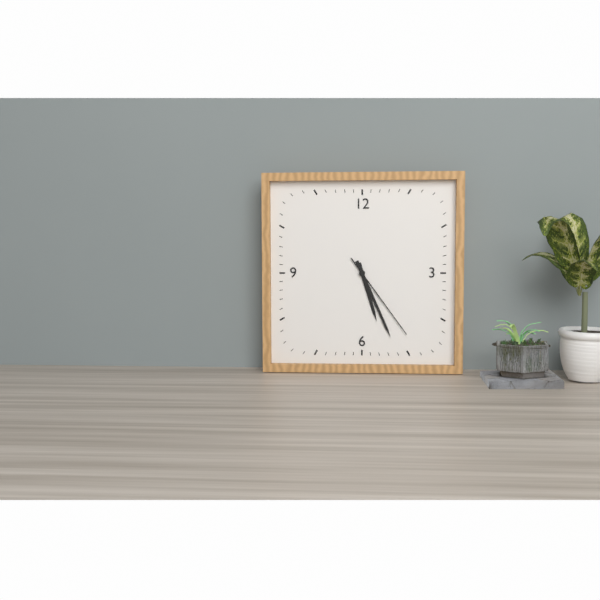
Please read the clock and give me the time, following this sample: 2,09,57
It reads 5,26,24
